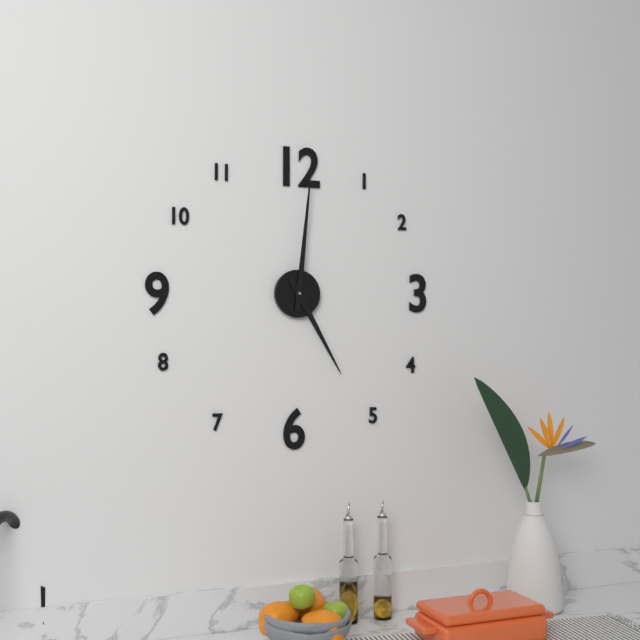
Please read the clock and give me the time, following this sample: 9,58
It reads 5,01
